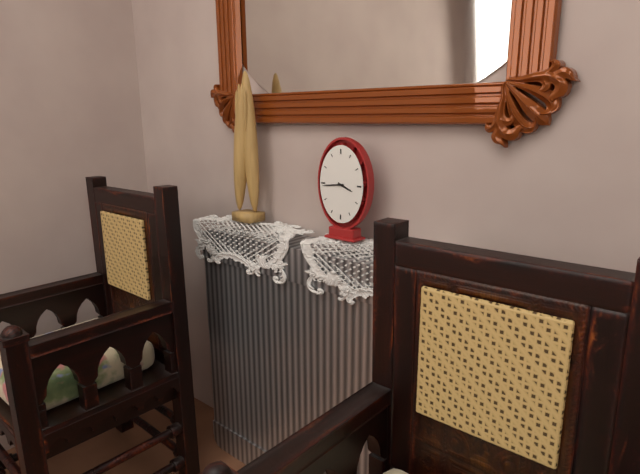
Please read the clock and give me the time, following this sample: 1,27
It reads 3,44
